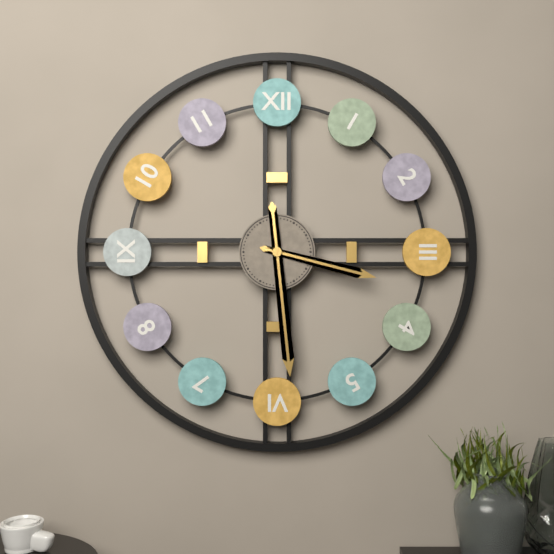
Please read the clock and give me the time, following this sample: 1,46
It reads 3,29
